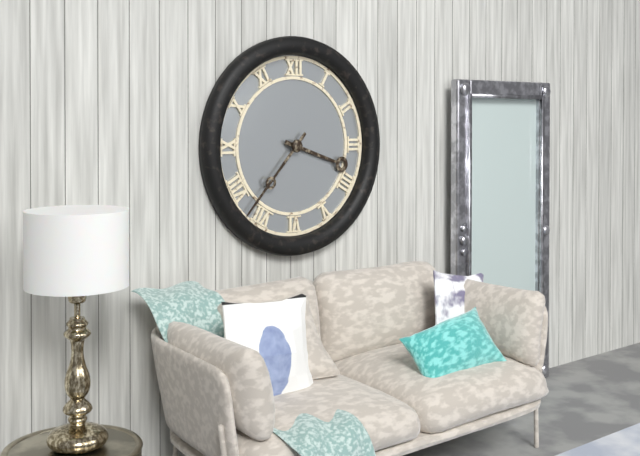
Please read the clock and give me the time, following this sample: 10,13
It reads 3,37
